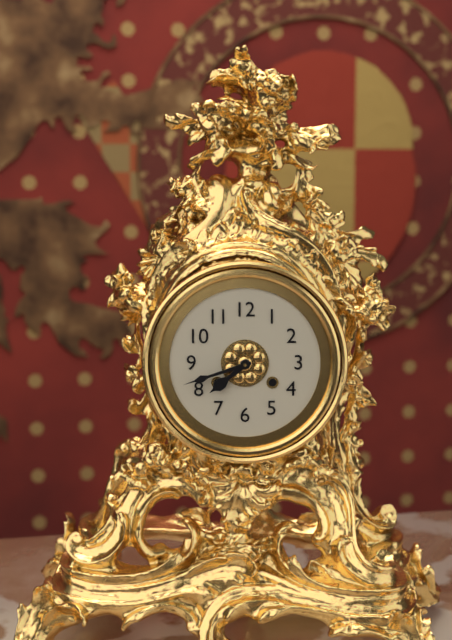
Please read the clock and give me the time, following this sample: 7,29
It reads 7,42
